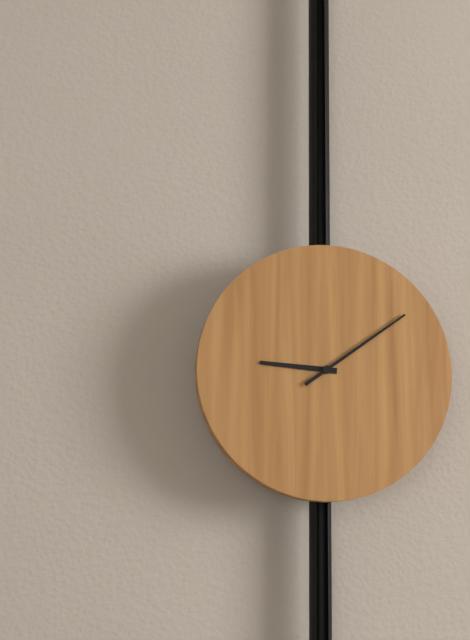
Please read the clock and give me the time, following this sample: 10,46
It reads 9,09
